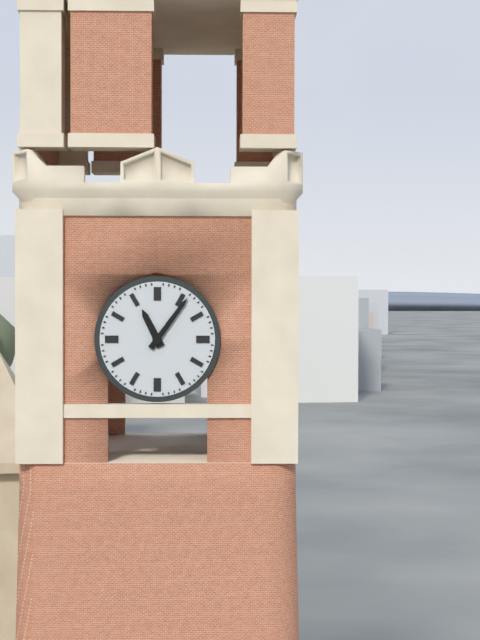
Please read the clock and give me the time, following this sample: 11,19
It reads 11,06
